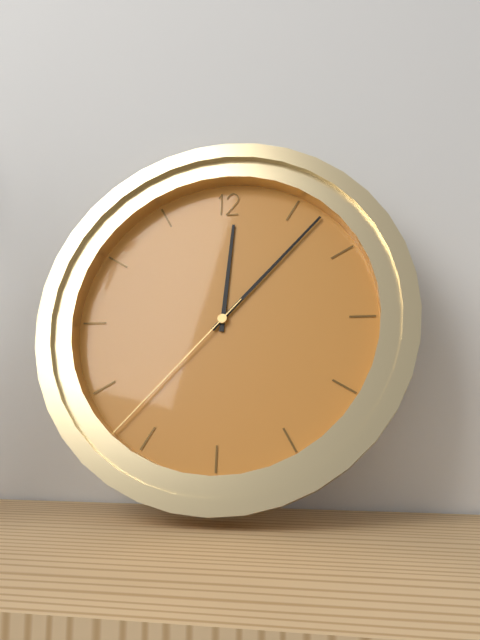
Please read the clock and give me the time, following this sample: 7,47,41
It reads 12,07,37
